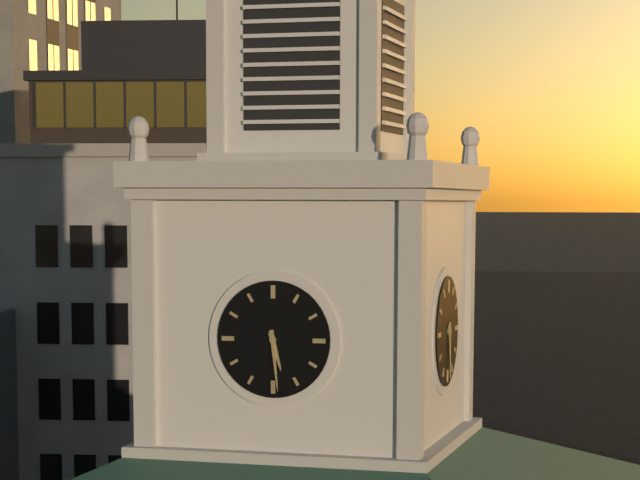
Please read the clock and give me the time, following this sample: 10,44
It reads 5,29
